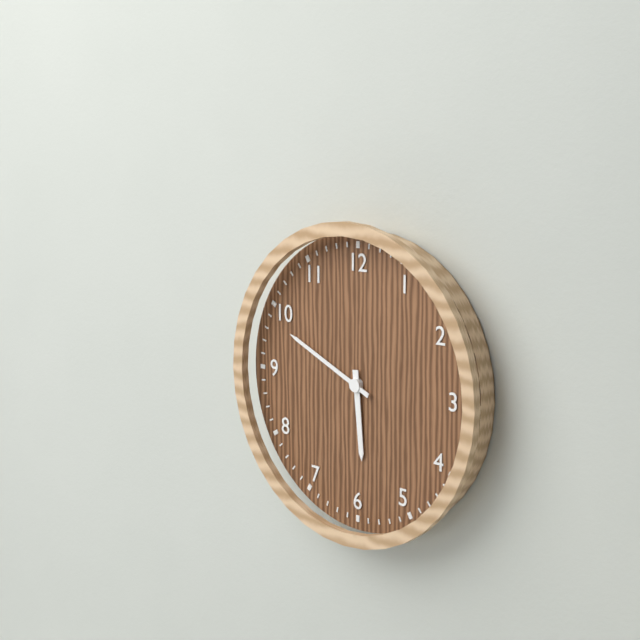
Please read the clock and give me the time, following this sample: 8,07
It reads 5,49
